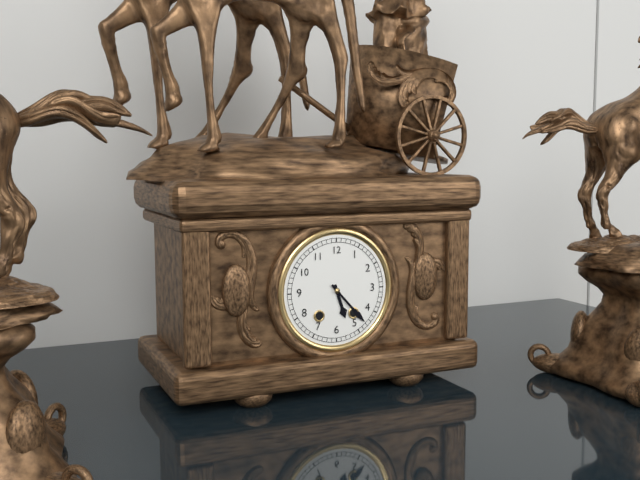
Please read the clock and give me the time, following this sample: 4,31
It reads 5,23
